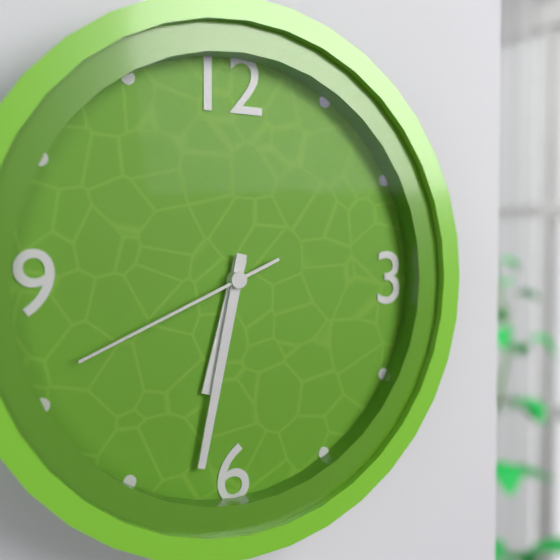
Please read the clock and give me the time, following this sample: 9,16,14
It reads 6,32,41
